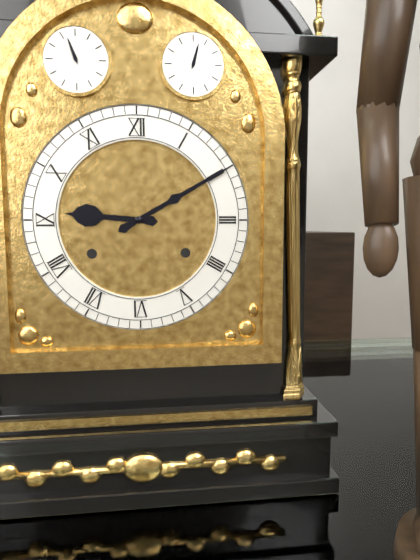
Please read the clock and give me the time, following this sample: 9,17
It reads 9,10
